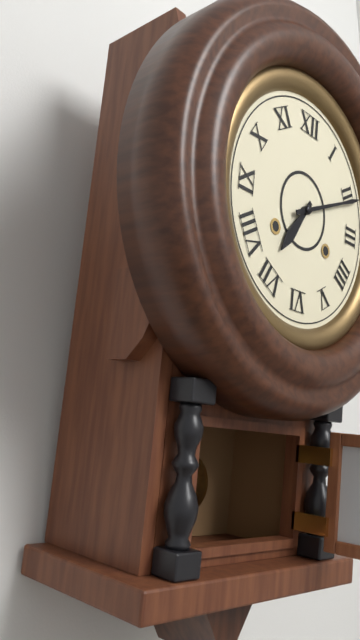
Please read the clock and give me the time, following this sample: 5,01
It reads 7,11
